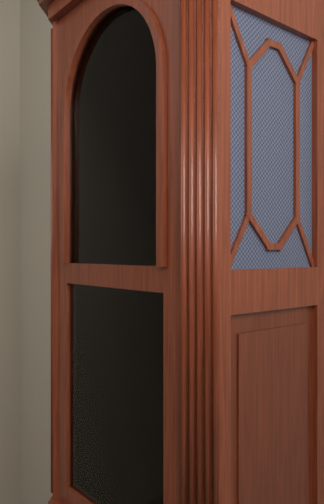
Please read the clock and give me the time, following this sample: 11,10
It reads 8,25
